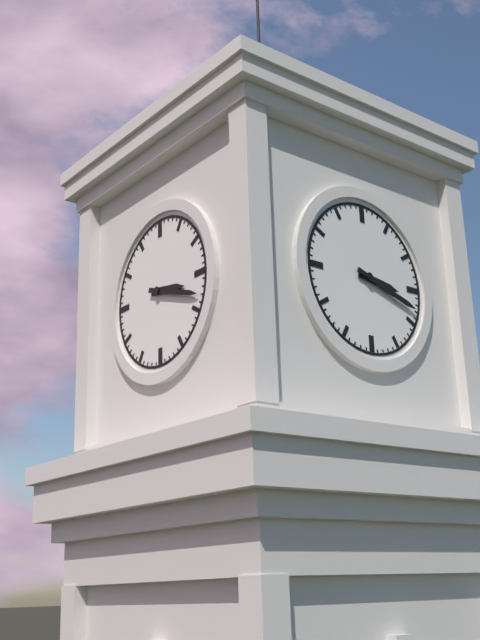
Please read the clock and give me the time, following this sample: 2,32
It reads 3,18
